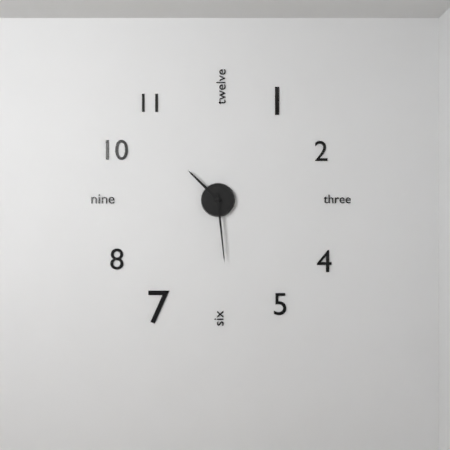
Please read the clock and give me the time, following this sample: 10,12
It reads 10,29
